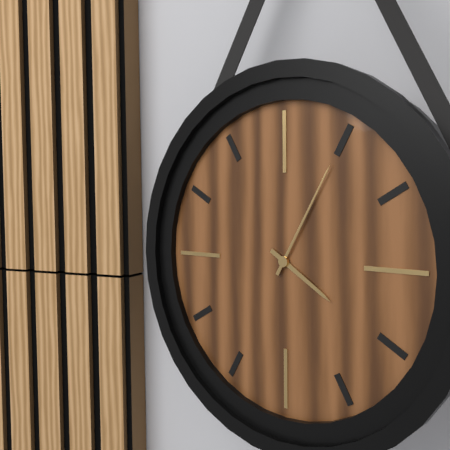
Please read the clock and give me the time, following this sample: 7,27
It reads 4,05
